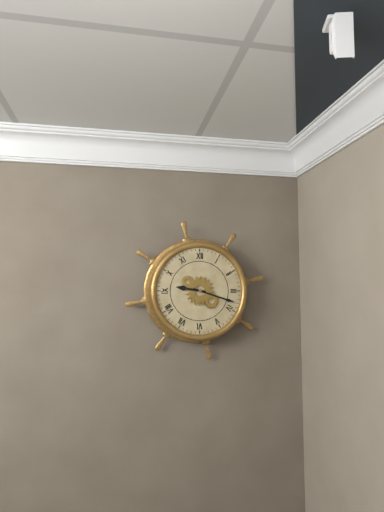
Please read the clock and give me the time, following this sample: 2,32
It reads 9,18
